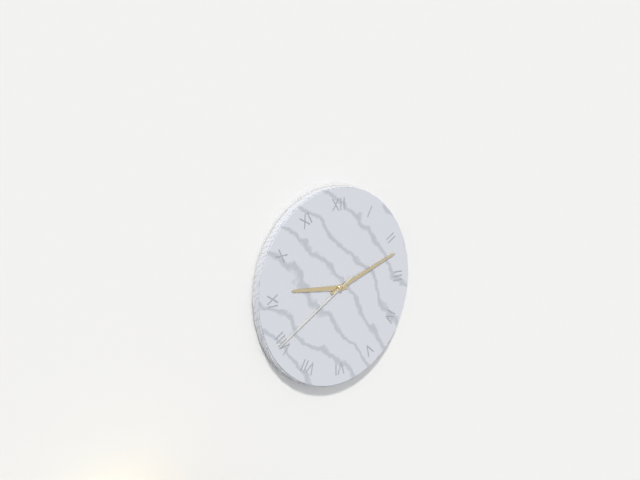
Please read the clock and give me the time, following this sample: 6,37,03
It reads 9,12,40
